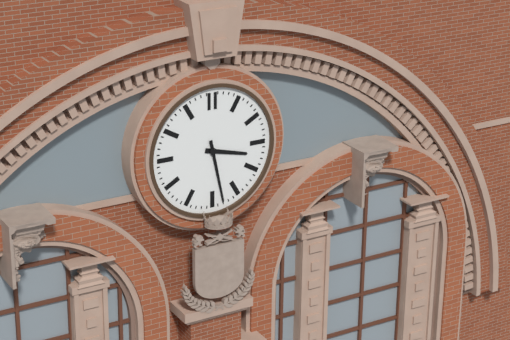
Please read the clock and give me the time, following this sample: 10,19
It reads 3,28
